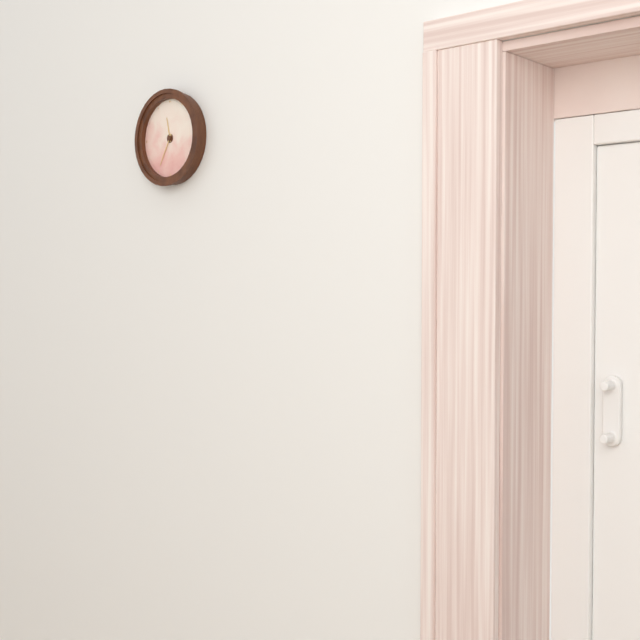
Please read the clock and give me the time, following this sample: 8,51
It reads 11,35
